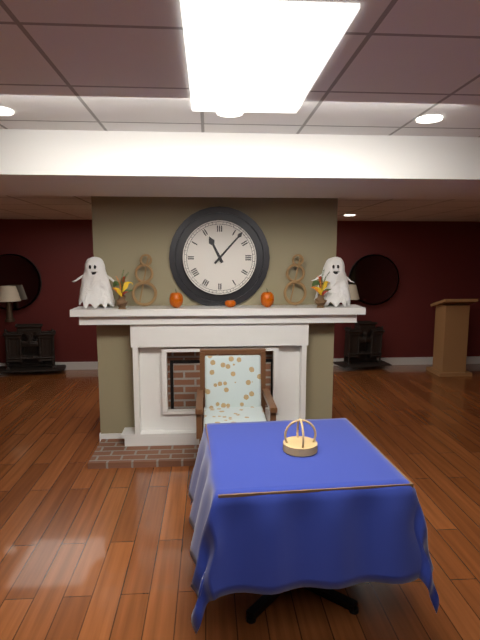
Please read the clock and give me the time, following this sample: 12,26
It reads 11,07
